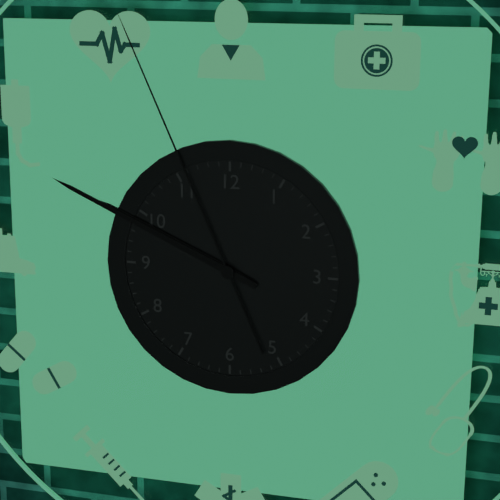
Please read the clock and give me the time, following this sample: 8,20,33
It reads 9,49,56
